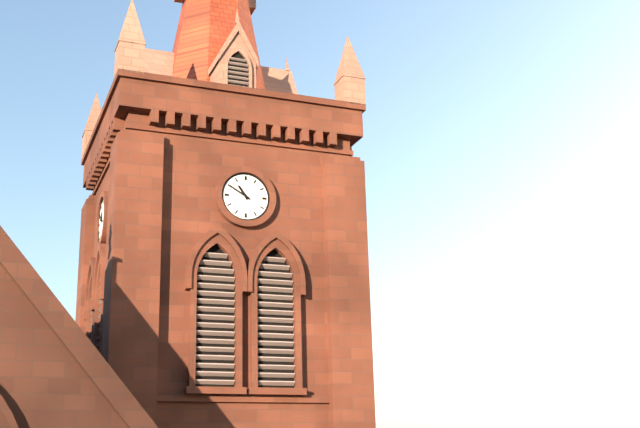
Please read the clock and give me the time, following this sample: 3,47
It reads 10,50
